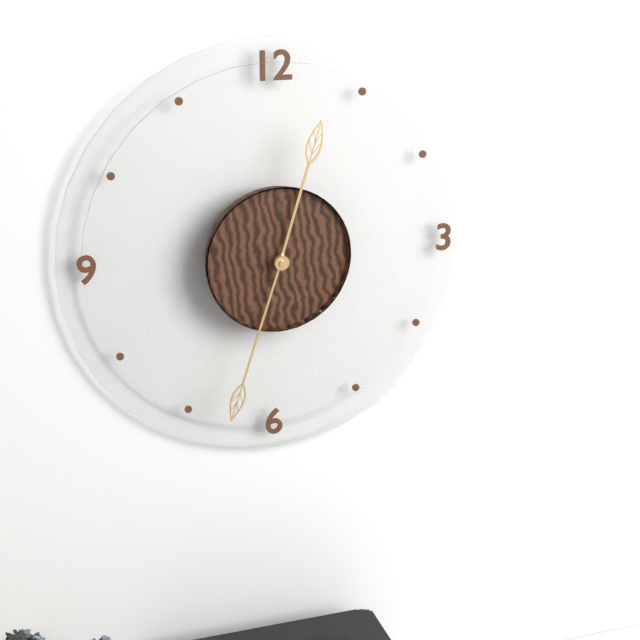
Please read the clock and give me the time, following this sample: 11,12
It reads 12,33
